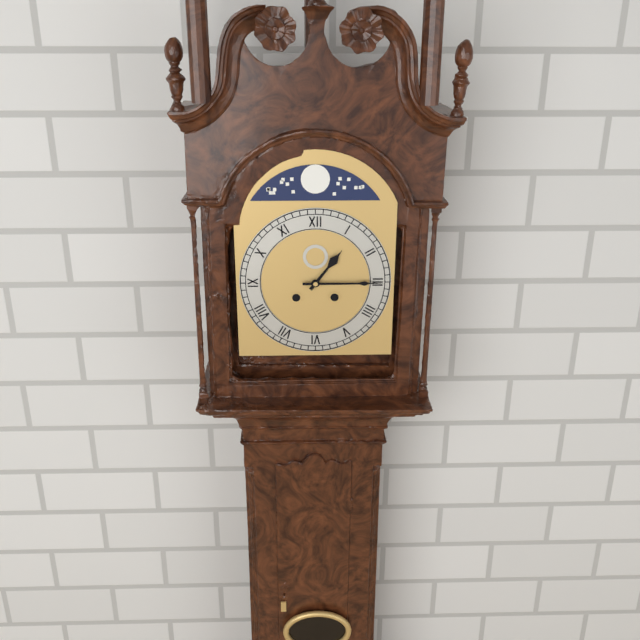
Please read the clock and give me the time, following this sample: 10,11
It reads 1,15
